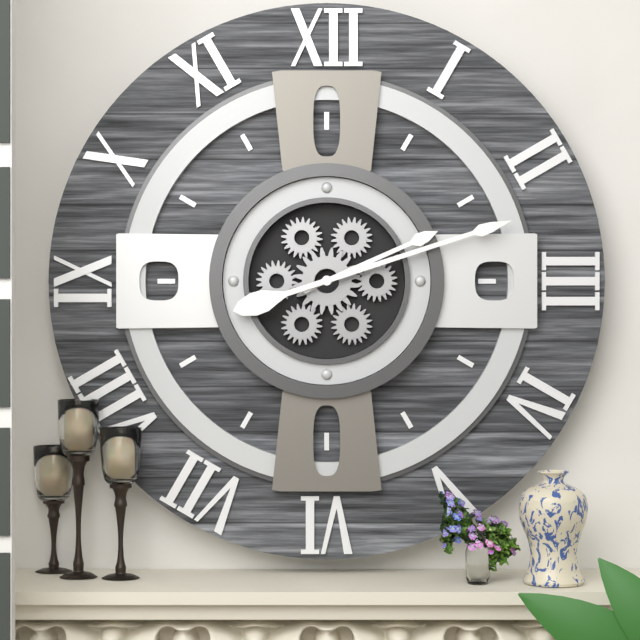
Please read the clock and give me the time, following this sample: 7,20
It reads 2,12
